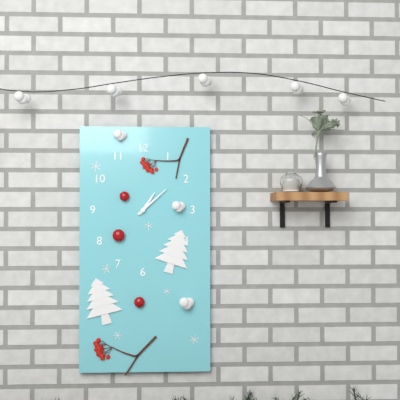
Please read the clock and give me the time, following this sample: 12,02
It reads 1,08
